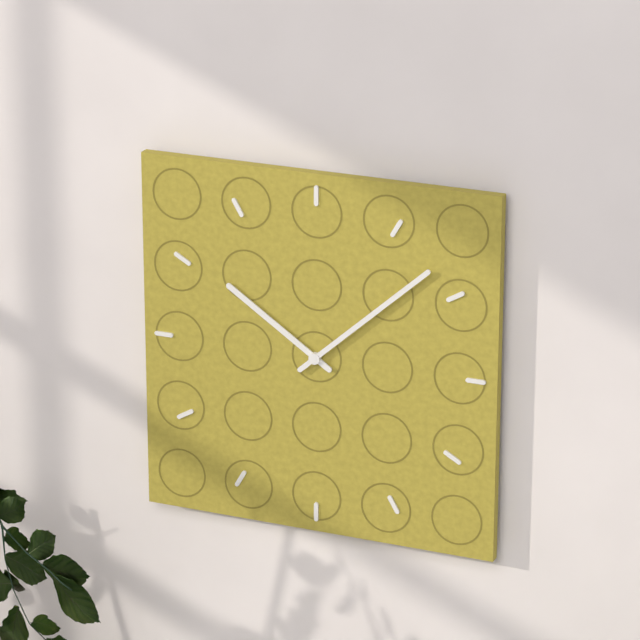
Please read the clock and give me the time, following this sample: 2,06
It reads 10,08
